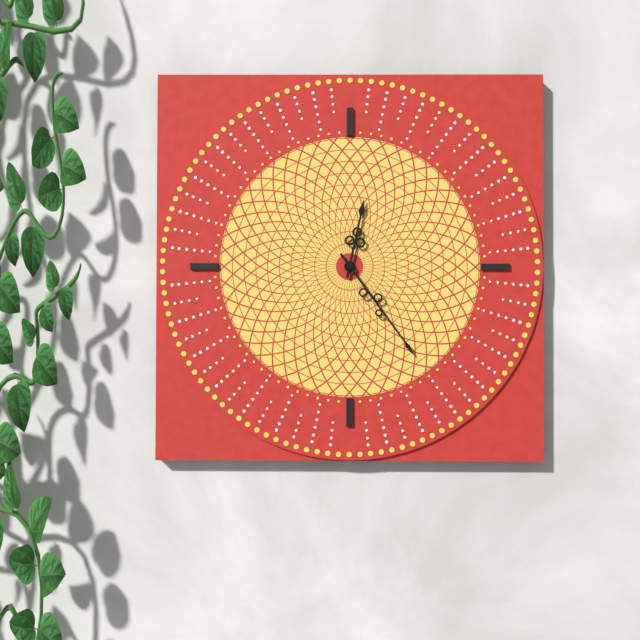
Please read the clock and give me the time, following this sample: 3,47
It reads 12,24
